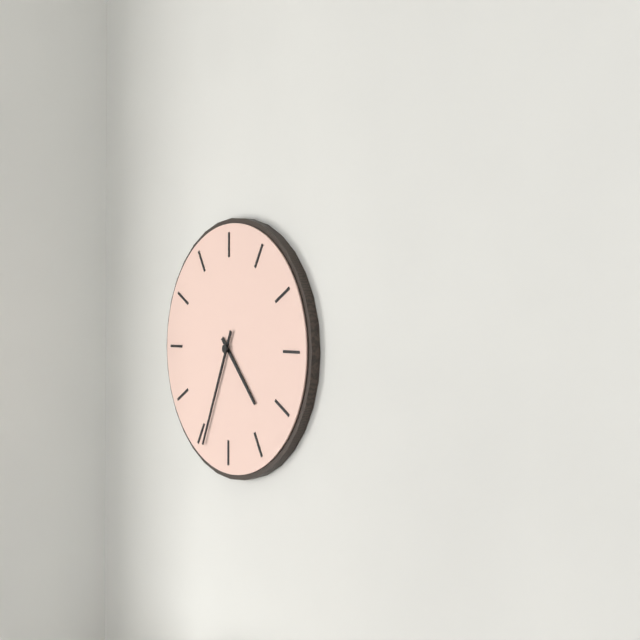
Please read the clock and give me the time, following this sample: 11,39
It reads 4,34
